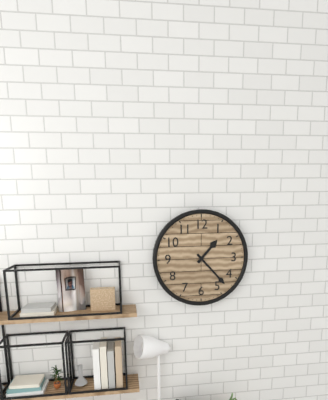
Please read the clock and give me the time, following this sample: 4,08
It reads 1,23
